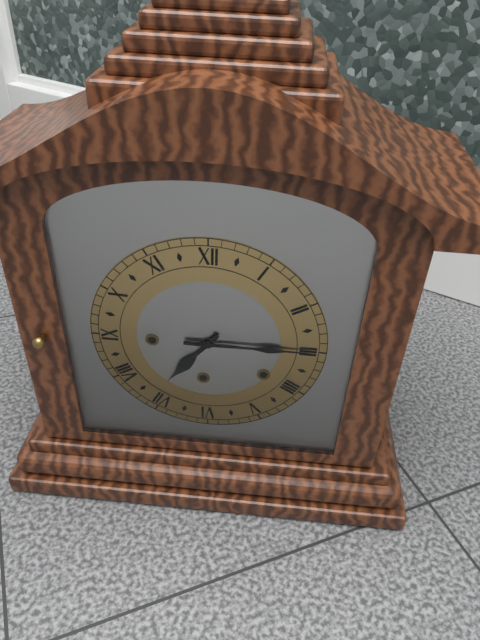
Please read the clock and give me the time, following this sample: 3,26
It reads 7,15
